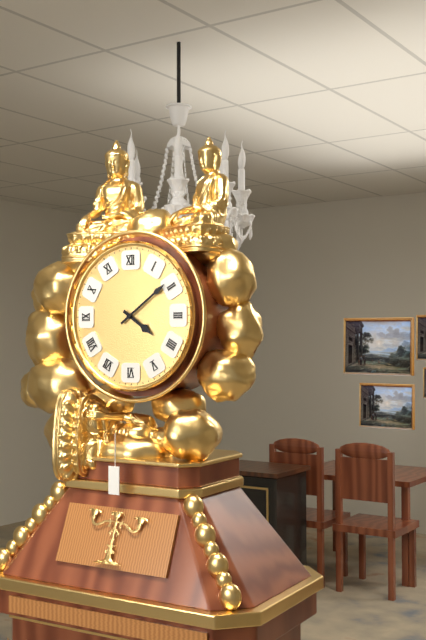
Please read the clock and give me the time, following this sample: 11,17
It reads 4,09
